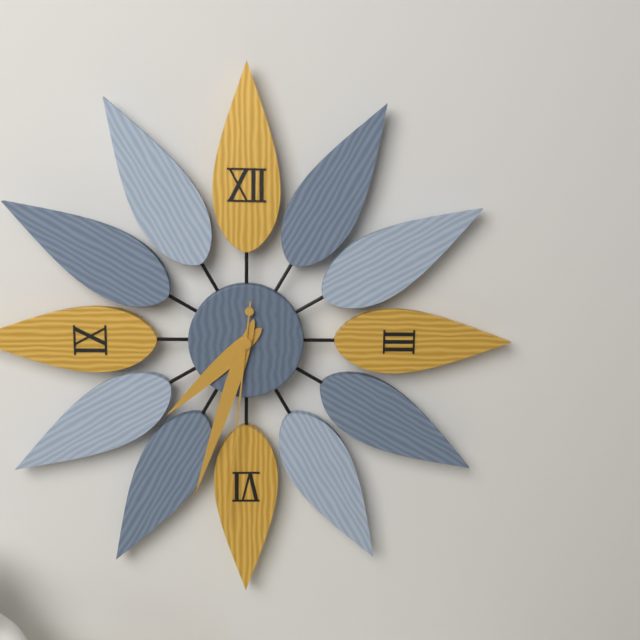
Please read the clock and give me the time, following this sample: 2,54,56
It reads 7,33,31
